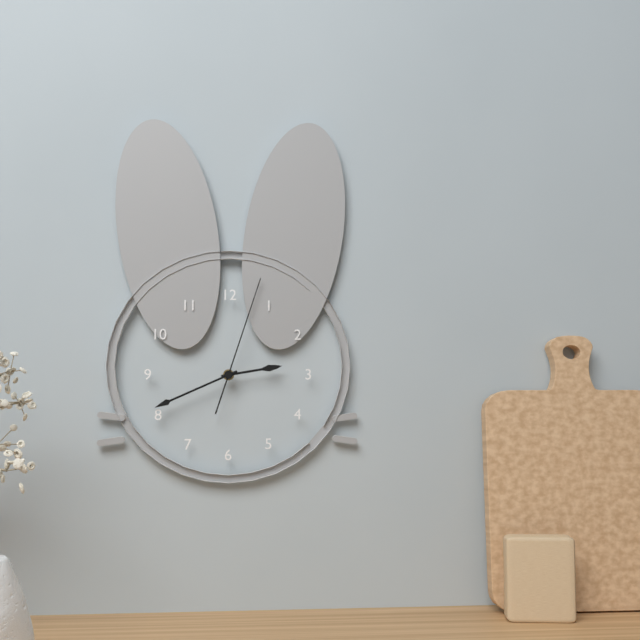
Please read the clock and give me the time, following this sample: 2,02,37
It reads 2,41,03
